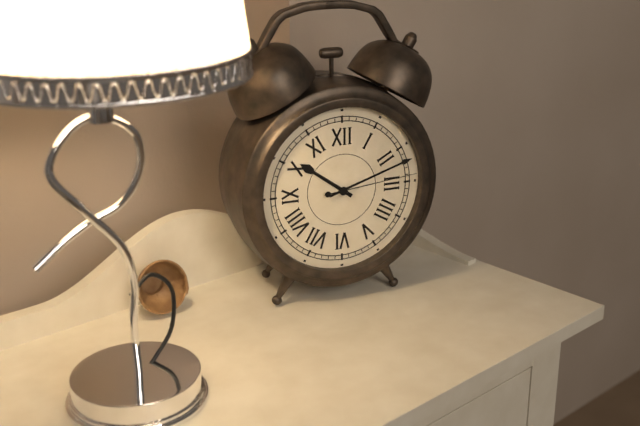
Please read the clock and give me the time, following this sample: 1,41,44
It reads 10,12,14
